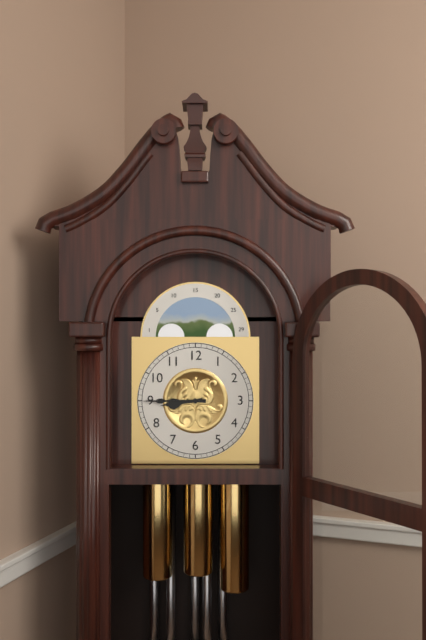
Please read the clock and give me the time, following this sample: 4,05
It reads 8,45
